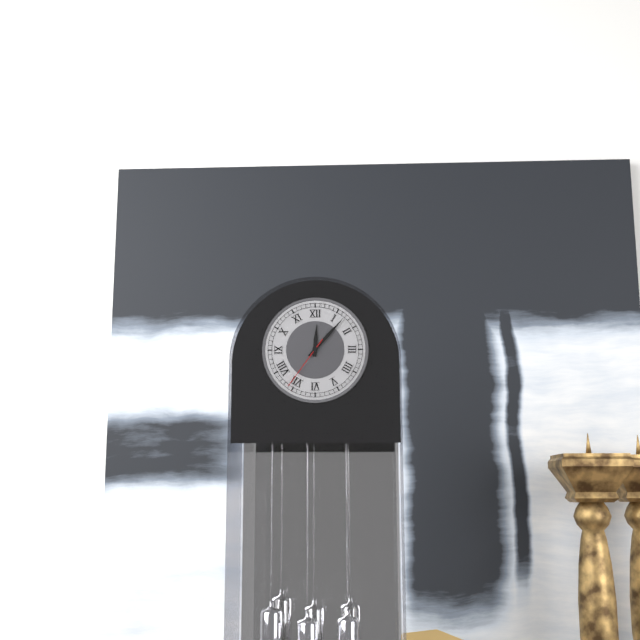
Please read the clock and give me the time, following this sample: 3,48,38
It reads 12,07,36
